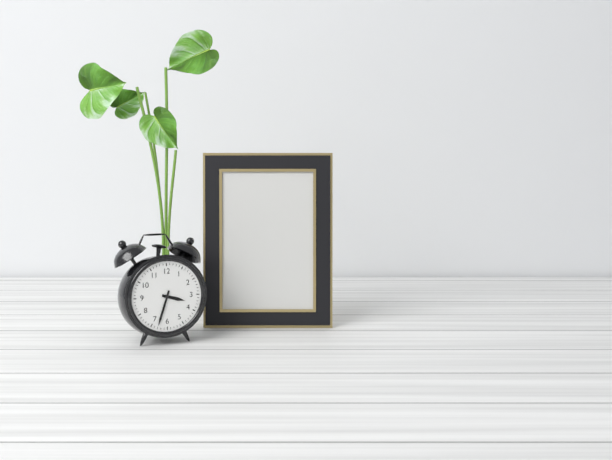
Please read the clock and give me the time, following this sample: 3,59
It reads 3,33
